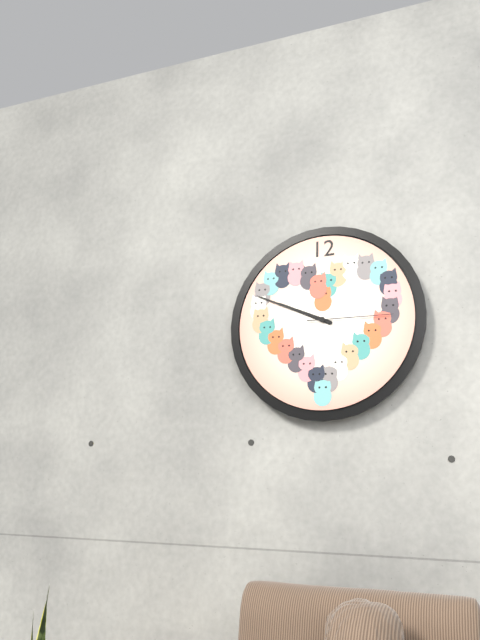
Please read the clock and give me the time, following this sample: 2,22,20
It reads 9,49,15
